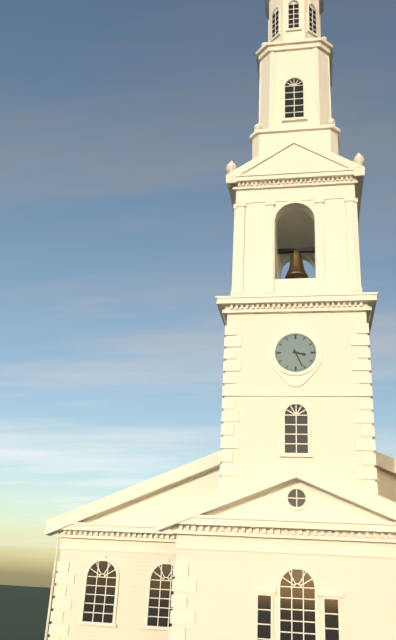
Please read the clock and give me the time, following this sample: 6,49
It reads 3,26
